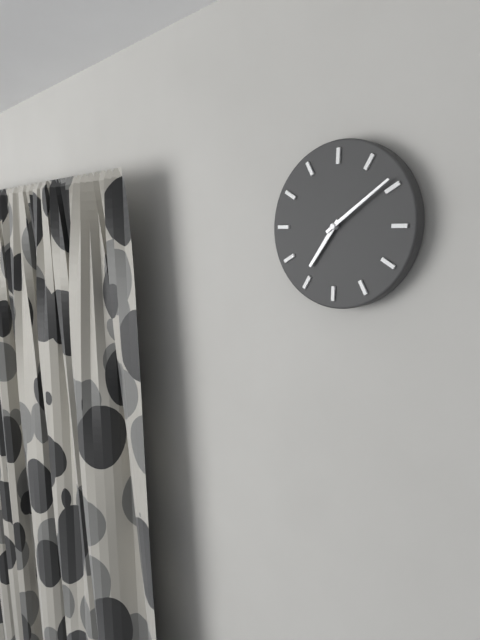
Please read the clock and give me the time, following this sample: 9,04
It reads 7,09
